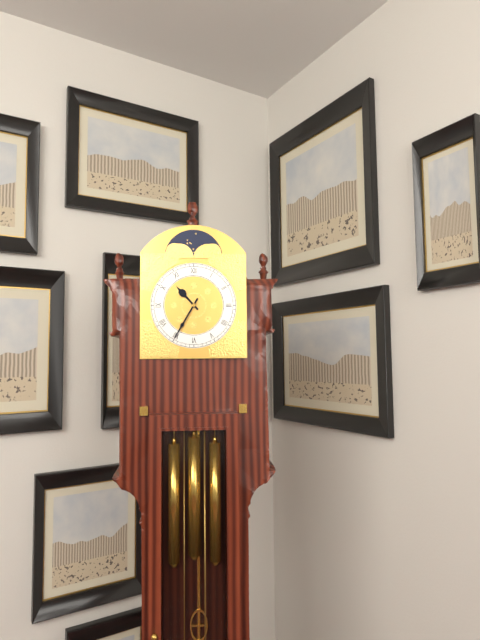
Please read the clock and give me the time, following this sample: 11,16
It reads 10,35
